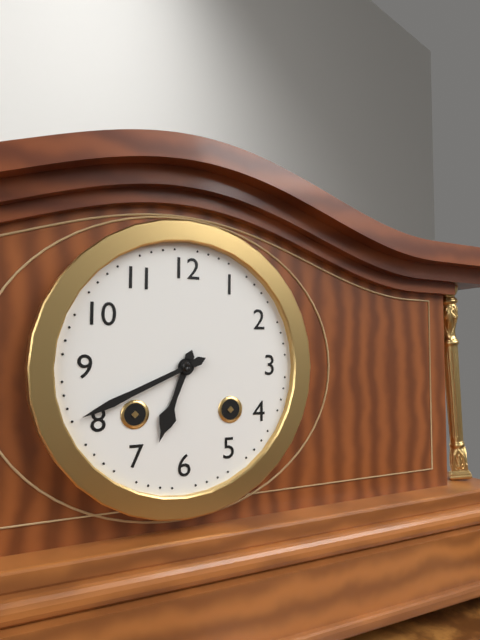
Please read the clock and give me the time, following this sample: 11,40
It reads 6,41
